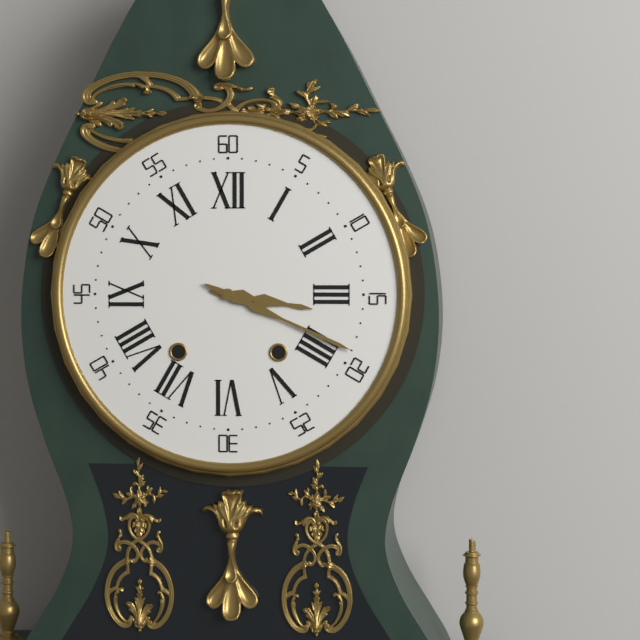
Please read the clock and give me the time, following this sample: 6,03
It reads 3,19
